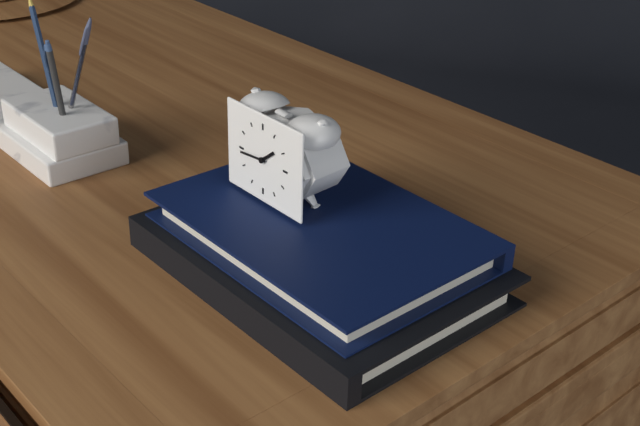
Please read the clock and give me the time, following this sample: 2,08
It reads 1,44
